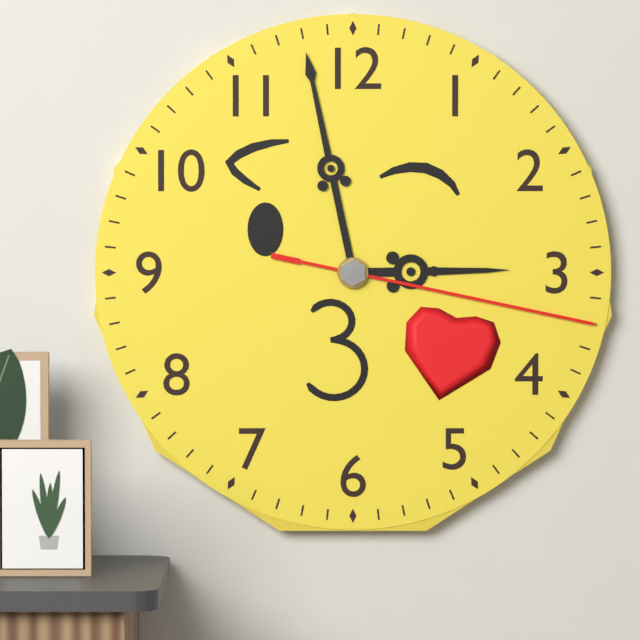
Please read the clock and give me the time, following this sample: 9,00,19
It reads 2,58,17
